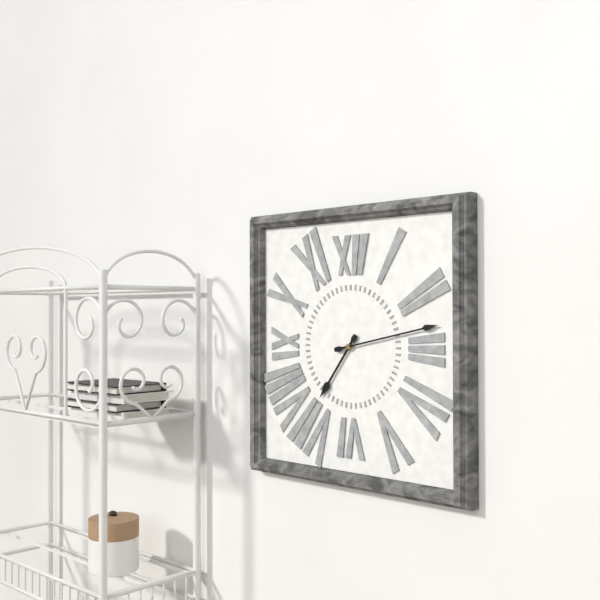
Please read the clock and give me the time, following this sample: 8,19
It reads 7,13
